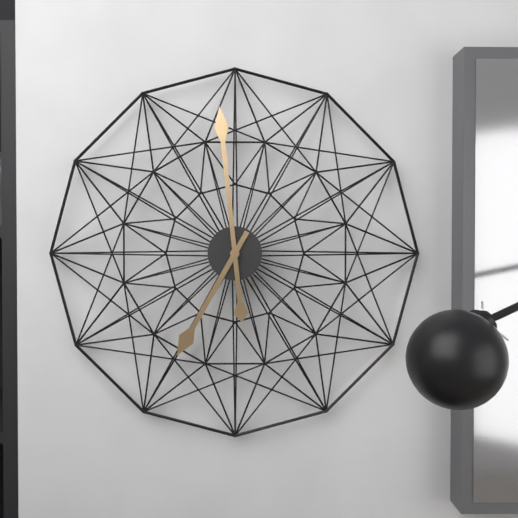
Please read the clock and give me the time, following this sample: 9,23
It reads 6,59
